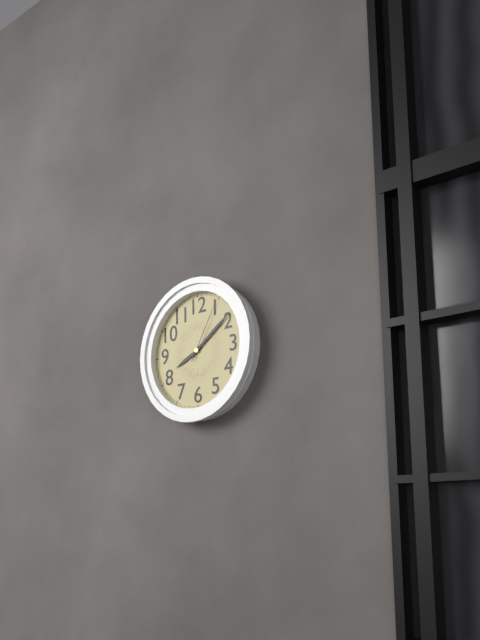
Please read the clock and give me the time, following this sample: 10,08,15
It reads 8,09,05
